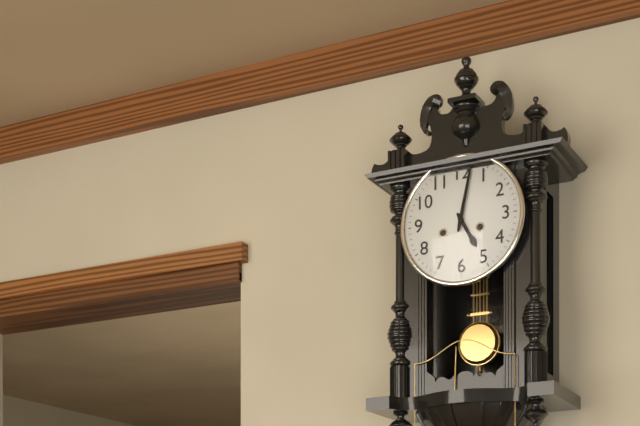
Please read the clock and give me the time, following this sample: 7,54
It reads 5,02
